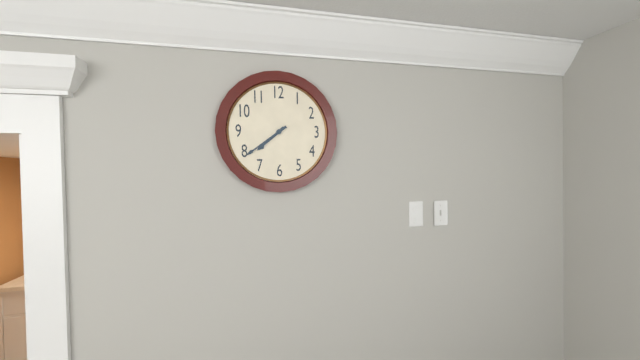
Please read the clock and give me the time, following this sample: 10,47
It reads 7,39
